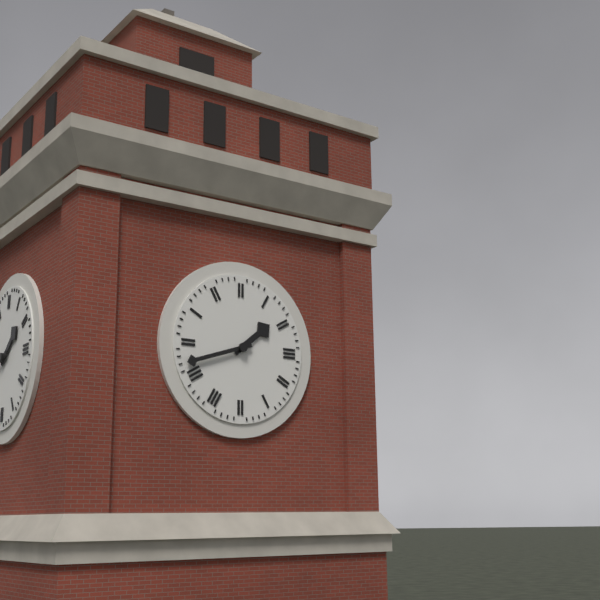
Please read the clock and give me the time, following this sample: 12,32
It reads 1,42
